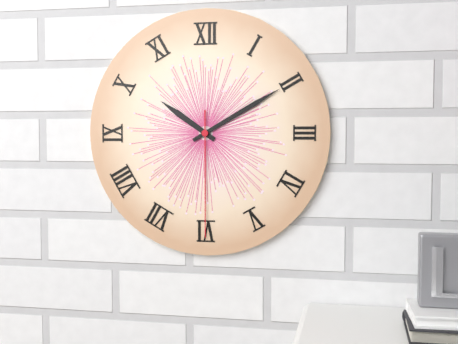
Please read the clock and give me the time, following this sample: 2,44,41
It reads 10,10,30
